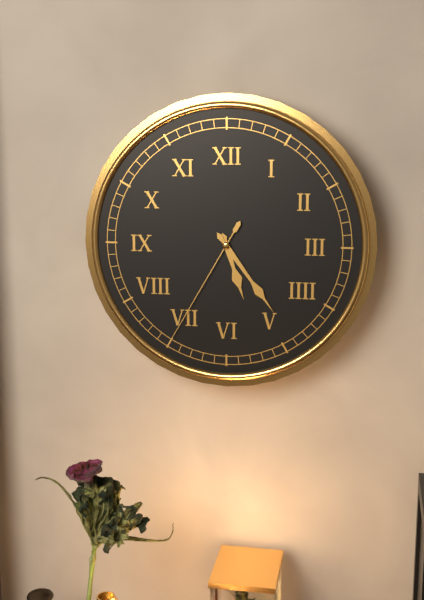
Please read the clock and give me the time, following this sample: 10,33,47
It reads 5,24,35
